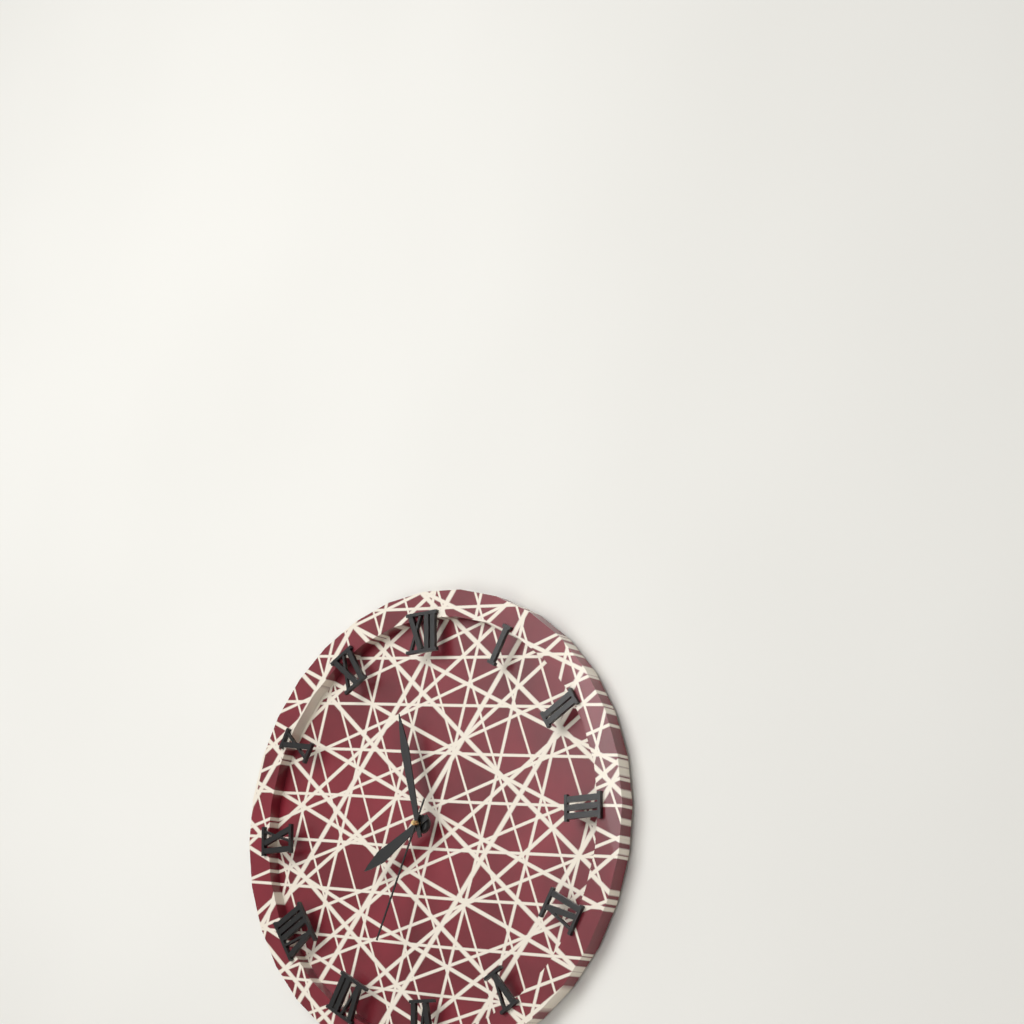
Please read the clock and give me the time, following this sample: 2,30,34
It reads 7,58,34
